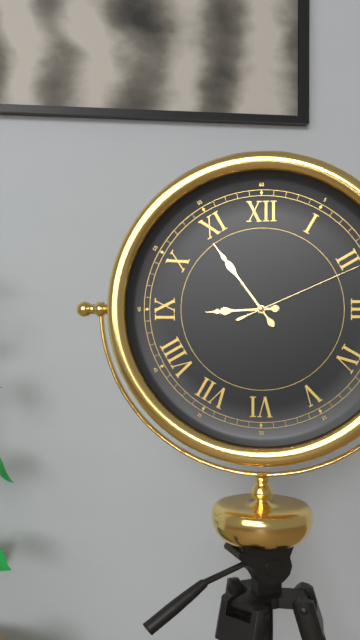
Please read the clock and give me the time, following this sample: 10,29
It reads 8,54
